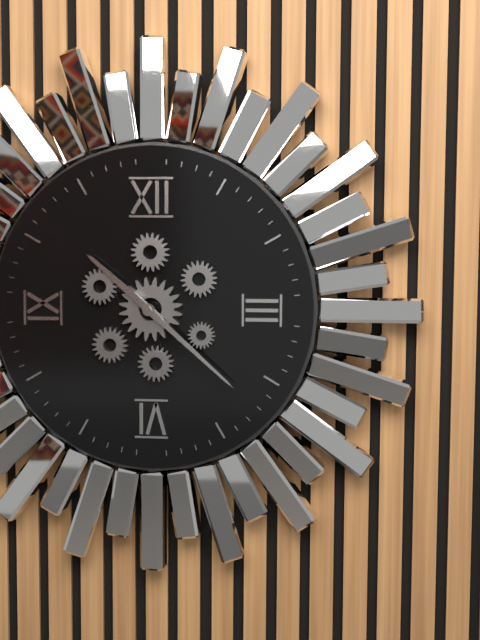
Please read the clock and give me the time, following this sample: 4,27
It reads 10,22
